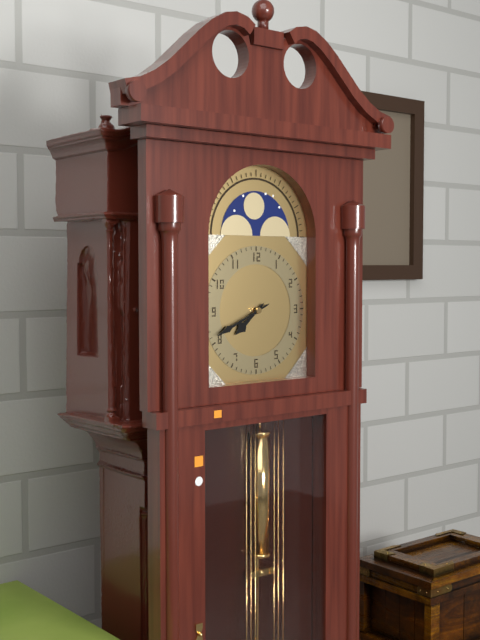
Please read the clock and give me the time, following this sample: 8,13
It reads 7,41
